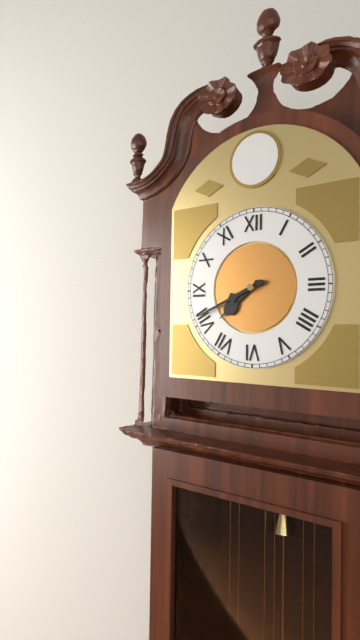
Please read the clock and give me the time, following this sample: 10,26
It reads 7,41
